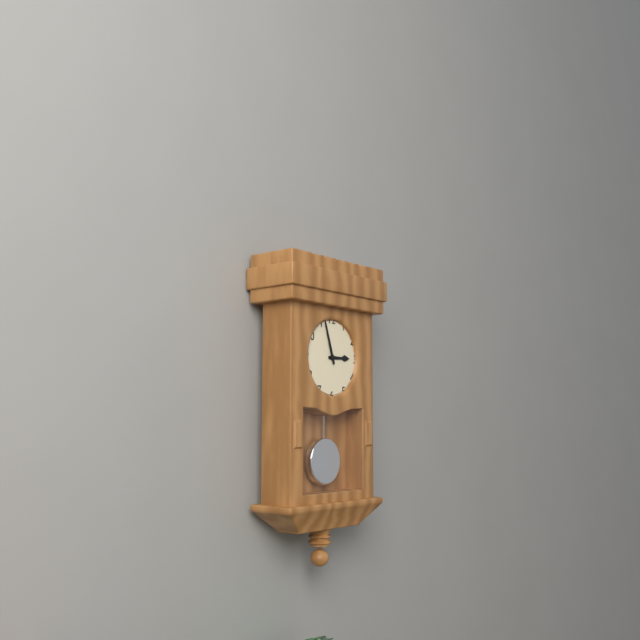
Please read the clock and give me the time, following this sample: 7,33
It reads 2,57
